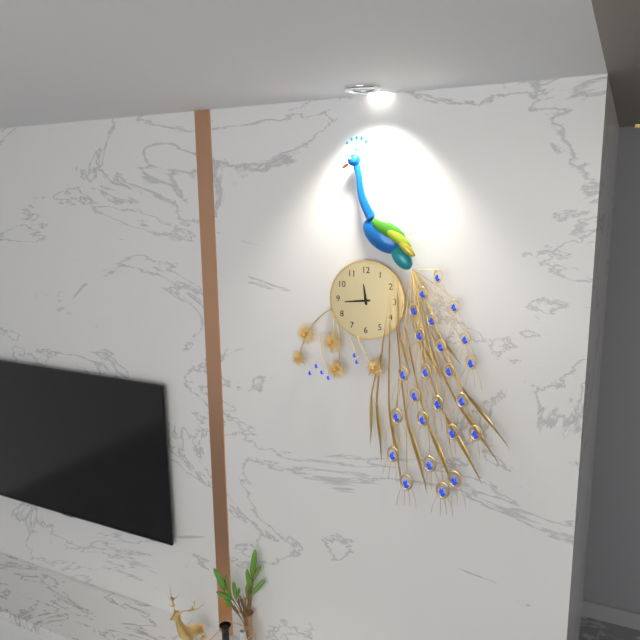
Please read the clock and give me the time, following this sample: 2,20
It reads 11,44
